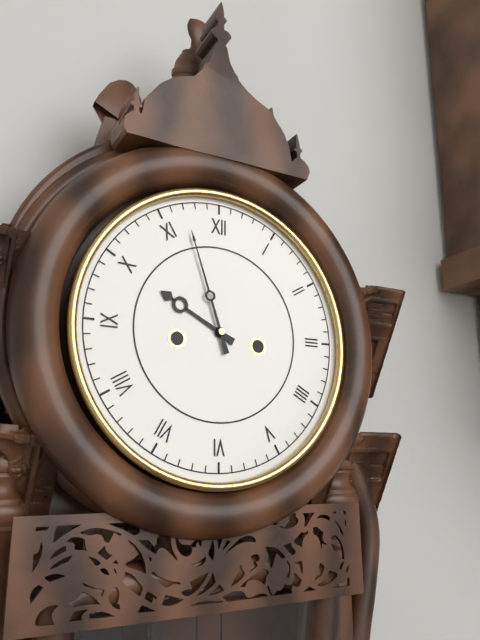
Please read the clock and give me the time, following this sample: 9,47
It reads 9,57
